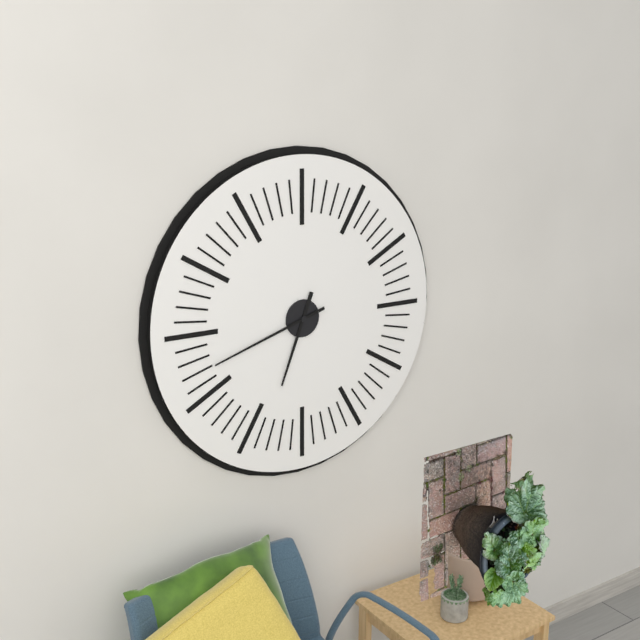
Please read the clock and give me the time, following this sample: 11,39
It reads 6,42
